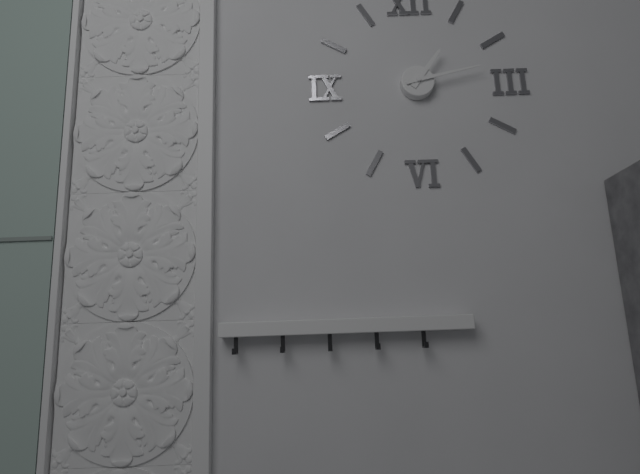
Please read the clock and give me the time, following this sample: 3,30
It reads 1,13
